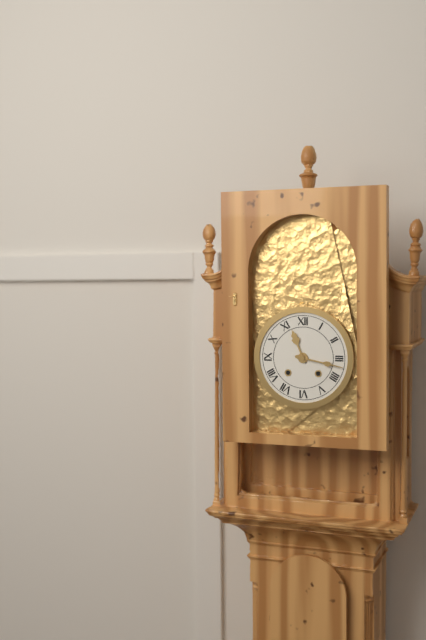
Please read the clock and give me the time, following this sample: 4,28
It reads 11,17
